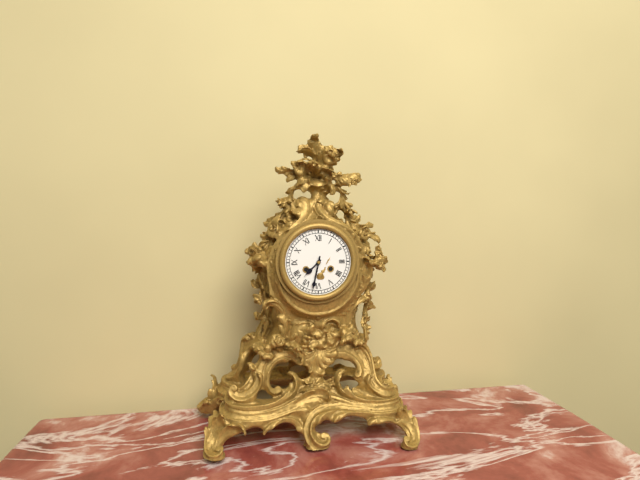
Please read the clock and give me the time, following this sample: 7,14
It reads 7,32
